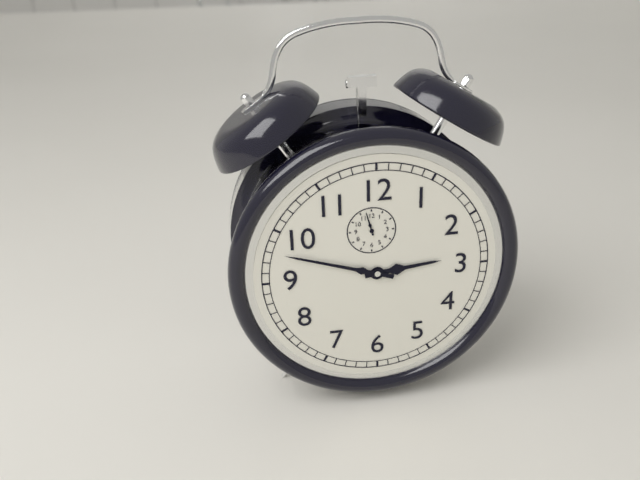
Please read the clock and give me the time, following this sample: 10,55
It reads 2,48
